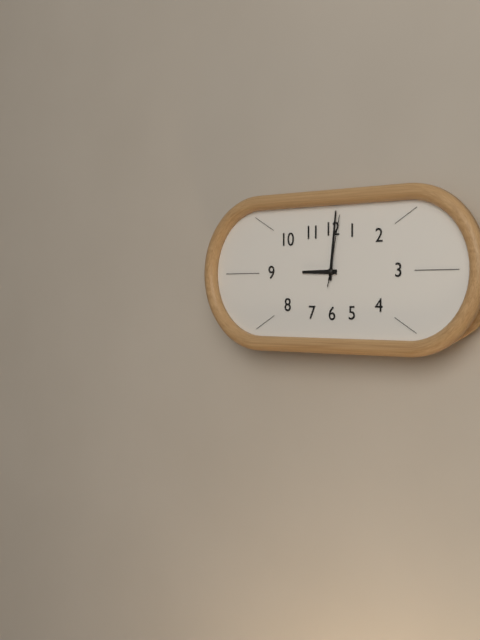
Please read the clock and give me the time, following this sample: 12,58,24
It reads 9,01,02
